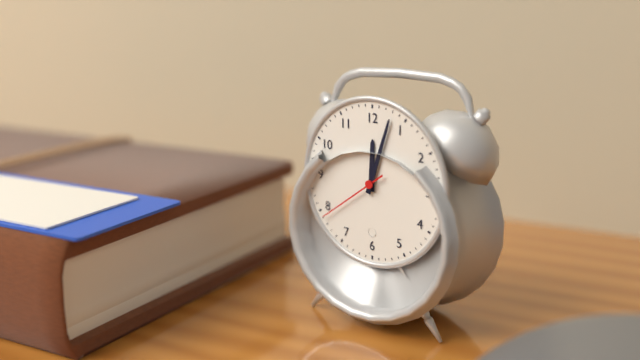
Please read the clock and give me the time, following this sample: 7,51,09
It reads 12,03,39
